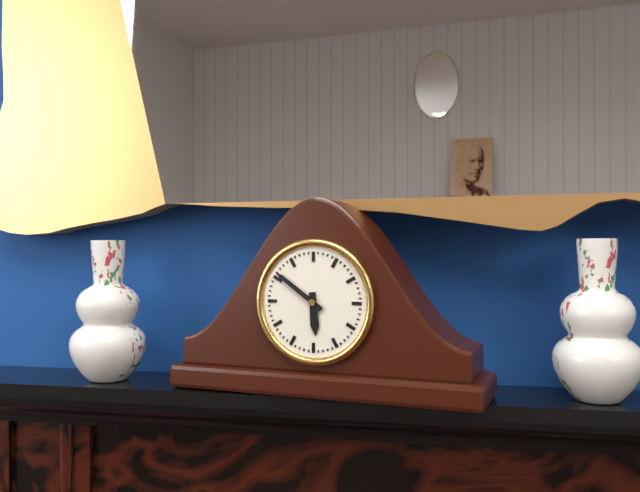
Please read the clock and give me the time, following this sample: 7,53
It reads 5,51
